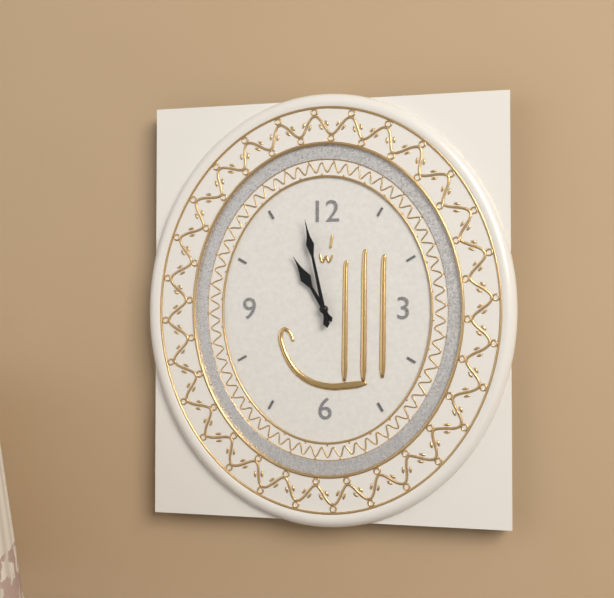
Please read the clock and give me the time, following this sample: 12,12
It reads 10,58
